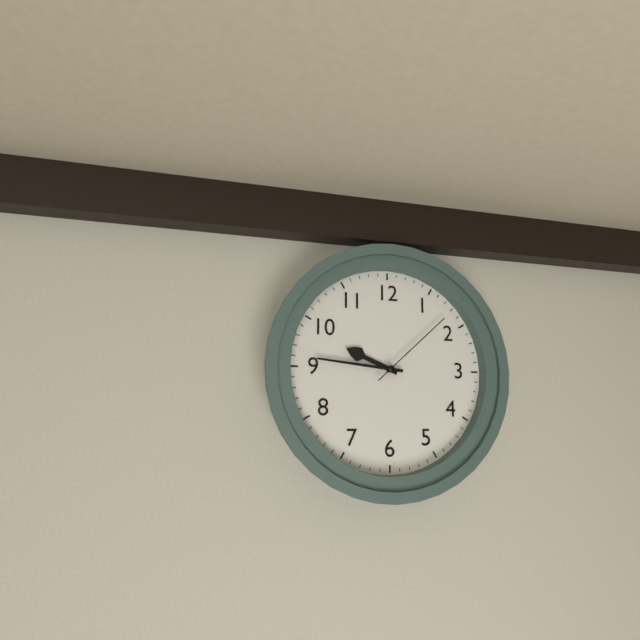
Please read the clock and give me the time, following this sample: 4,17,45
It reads 9,46,08
